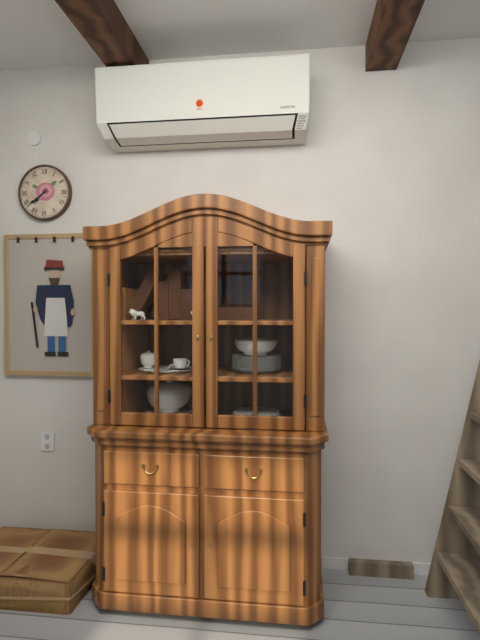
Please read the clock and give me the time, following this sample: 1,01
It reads 7,39
